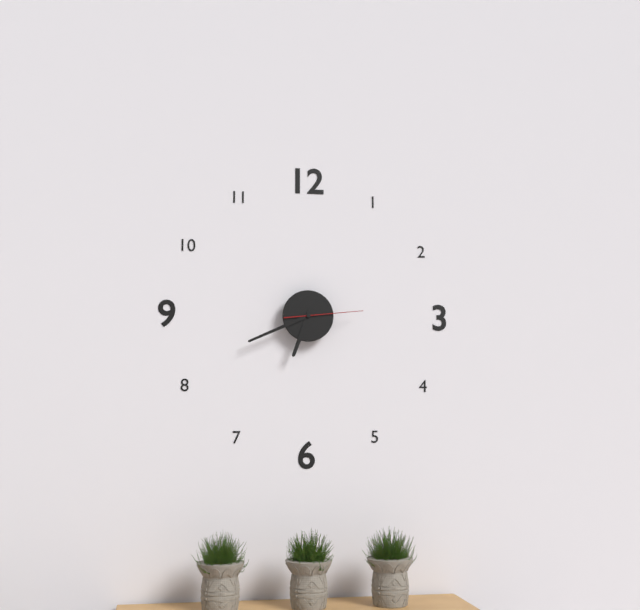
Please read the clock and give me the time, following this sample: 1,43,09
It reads 6,41,14
